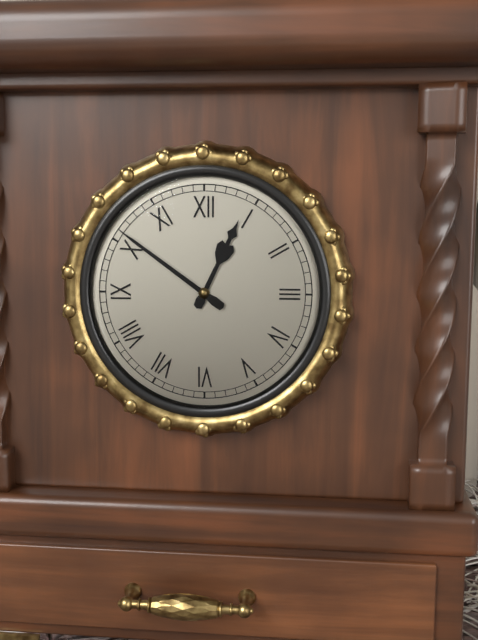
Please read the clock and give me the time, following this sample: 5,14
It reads 12,51
